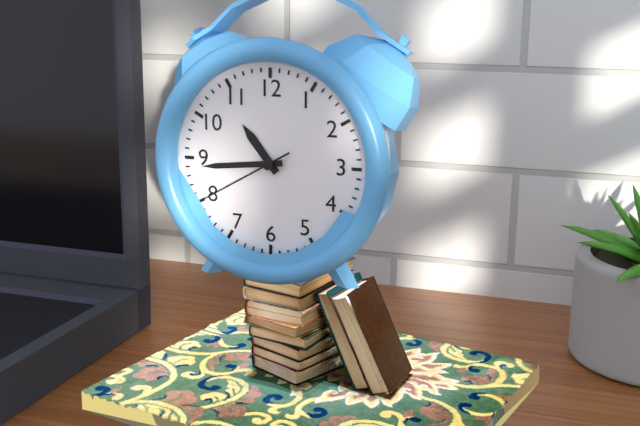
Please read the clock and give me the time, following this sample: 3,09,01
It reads 10,44,40
